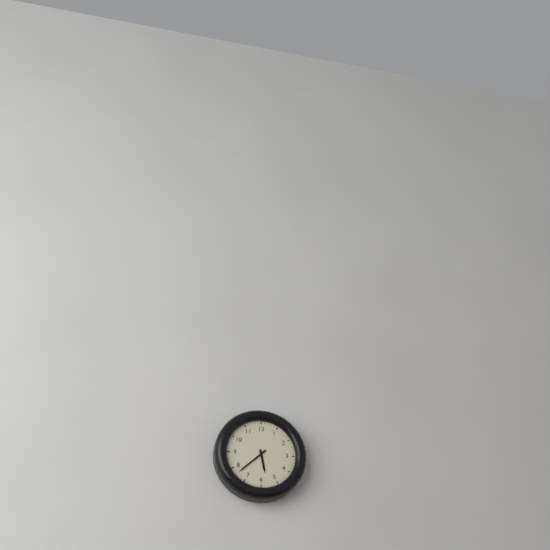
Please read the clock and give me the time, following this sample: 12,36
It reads 5,38
